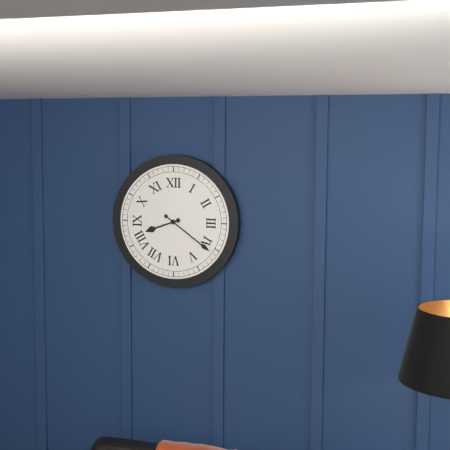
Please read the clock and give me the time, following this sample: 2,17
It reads 8,21
